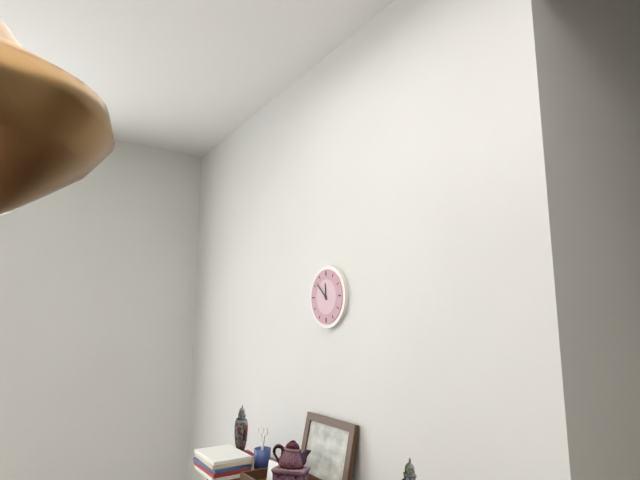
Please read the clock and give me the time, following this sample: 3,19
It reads 11,52
